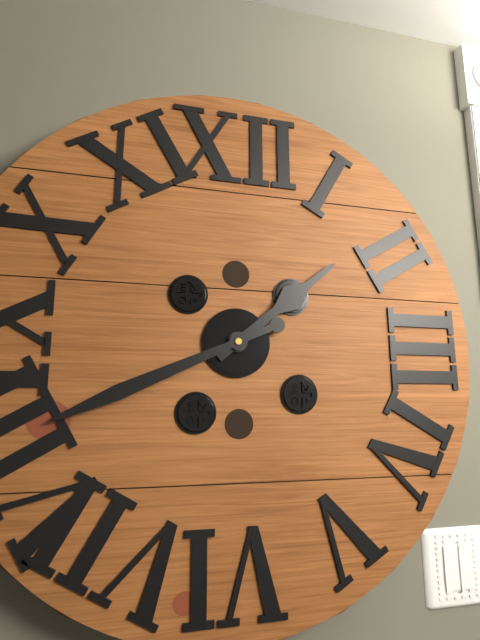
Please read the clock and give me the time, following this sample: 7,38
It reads 1,41
